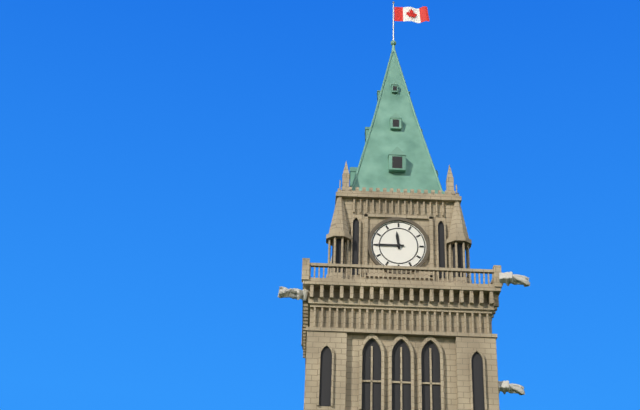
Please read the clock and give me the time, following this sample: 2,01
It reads 11,45
